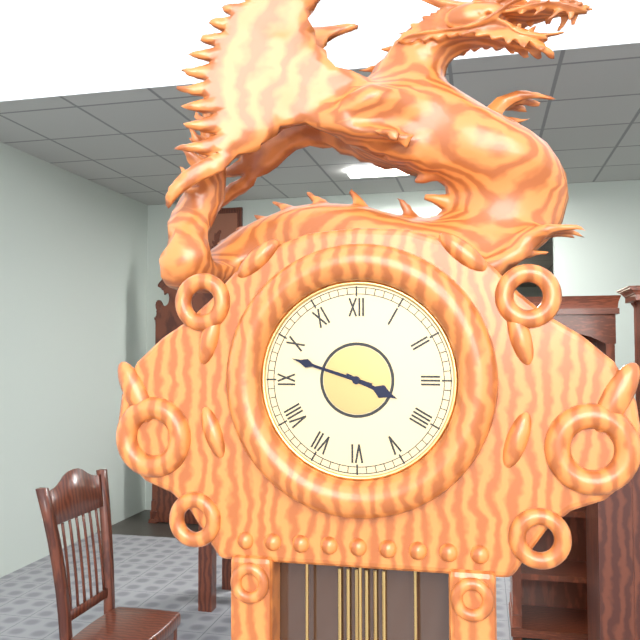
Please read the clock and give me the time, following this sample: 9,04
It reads 3,48
